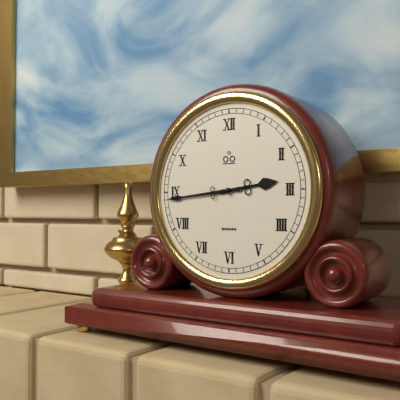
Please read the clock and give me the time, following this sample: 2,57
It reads 2,44
